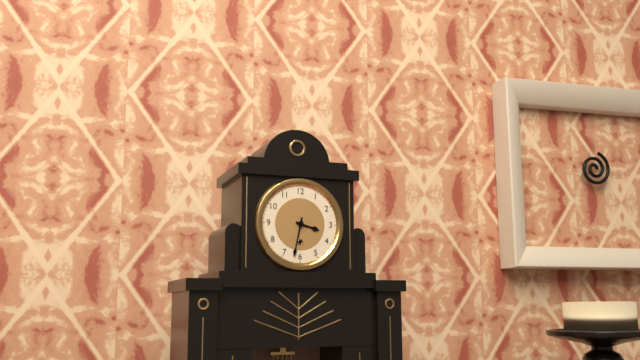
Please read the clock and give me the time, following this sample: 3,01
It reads 3,32
